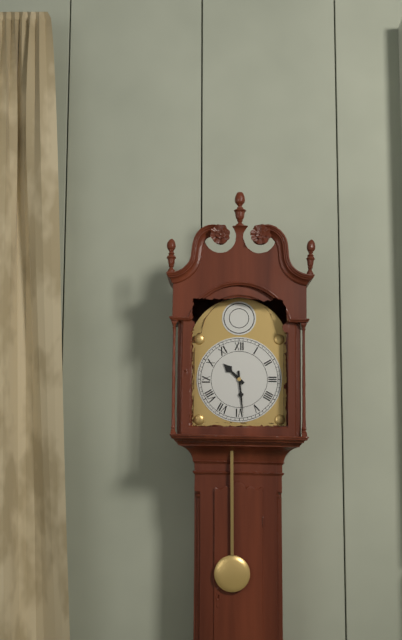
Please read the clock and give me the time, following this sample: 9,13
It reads 10,29
